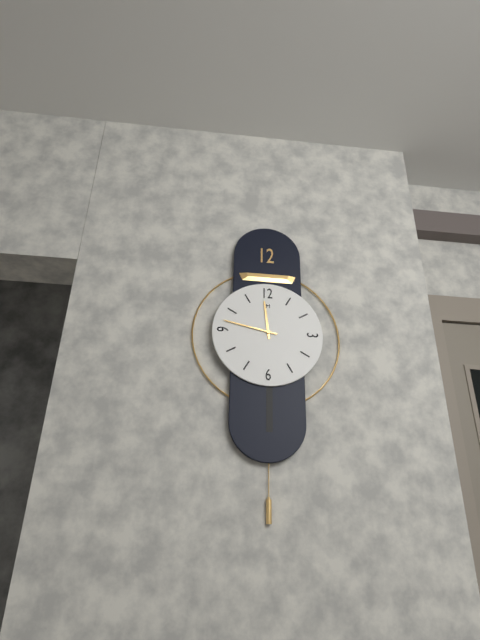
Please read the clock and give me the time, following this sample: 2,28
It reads 11,47
